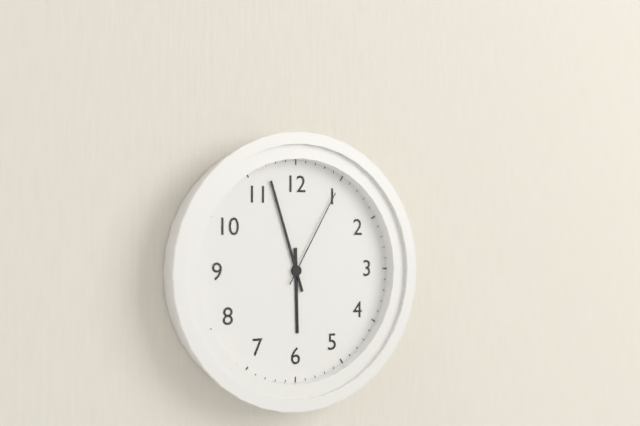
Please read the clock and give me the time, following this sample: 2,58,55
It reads 5,57,05
